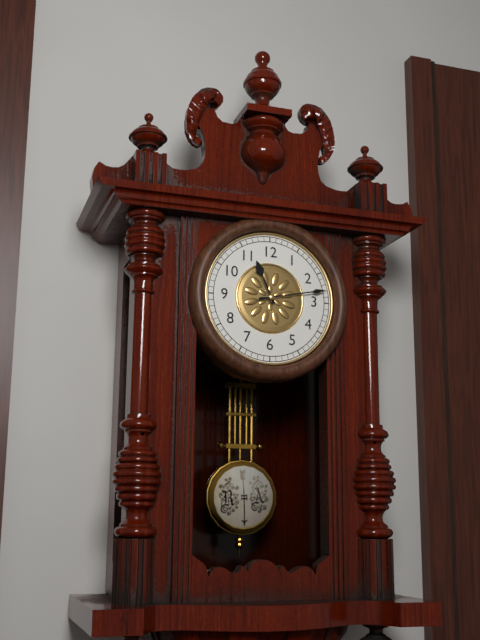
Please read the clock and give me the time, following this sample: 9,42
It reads 11,13
